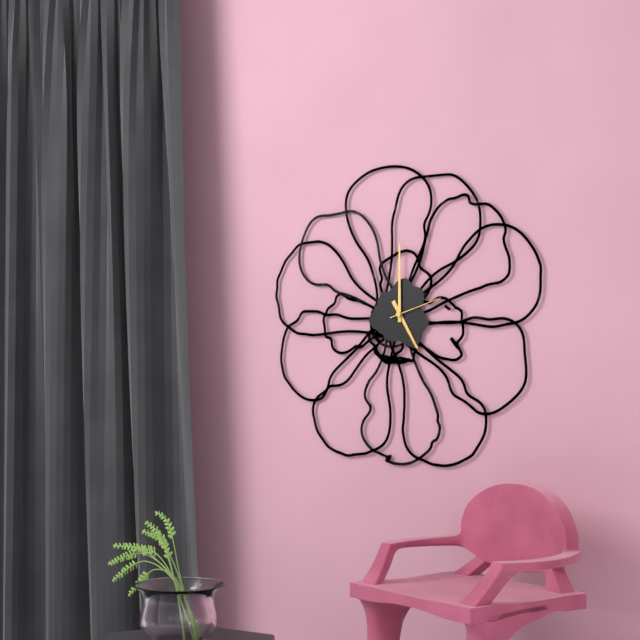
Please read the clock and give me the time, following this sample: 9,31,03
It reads 5,00,12
